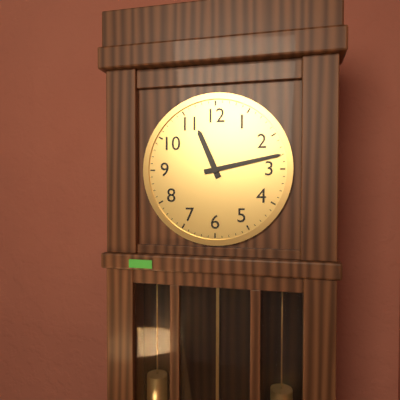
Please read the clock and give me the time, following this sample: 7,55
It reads 11,13
